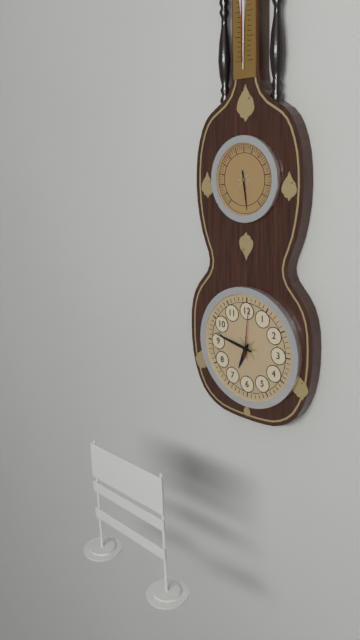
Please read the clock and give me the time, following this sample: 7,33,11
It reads 6,47,01
